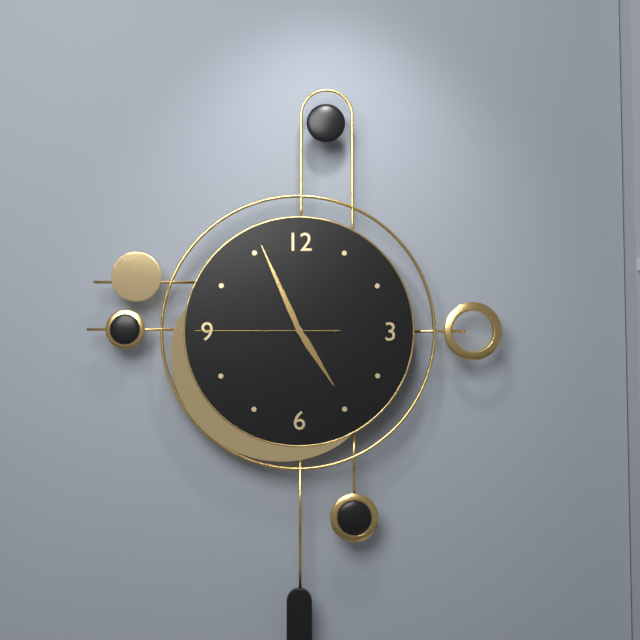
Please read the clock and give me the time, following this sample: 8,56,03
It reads 4,56,45
